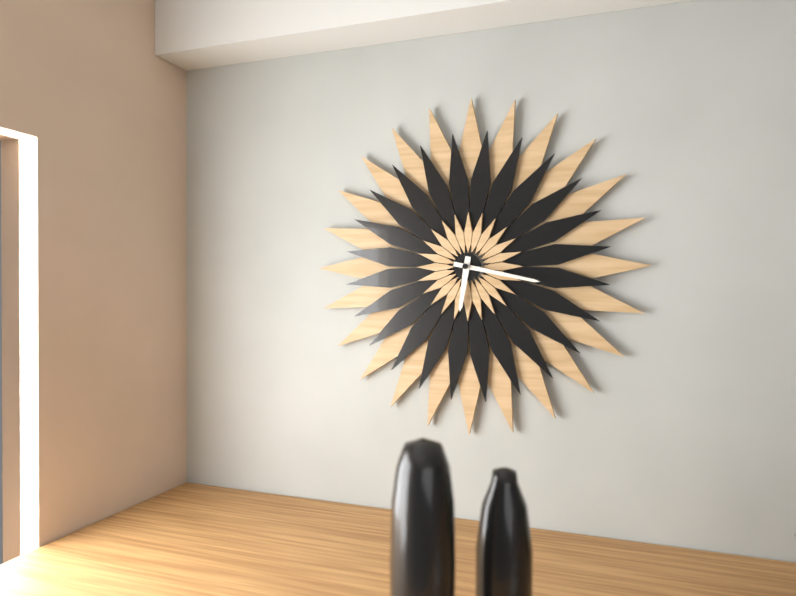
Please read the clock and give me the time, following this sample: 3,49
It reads 6,17
